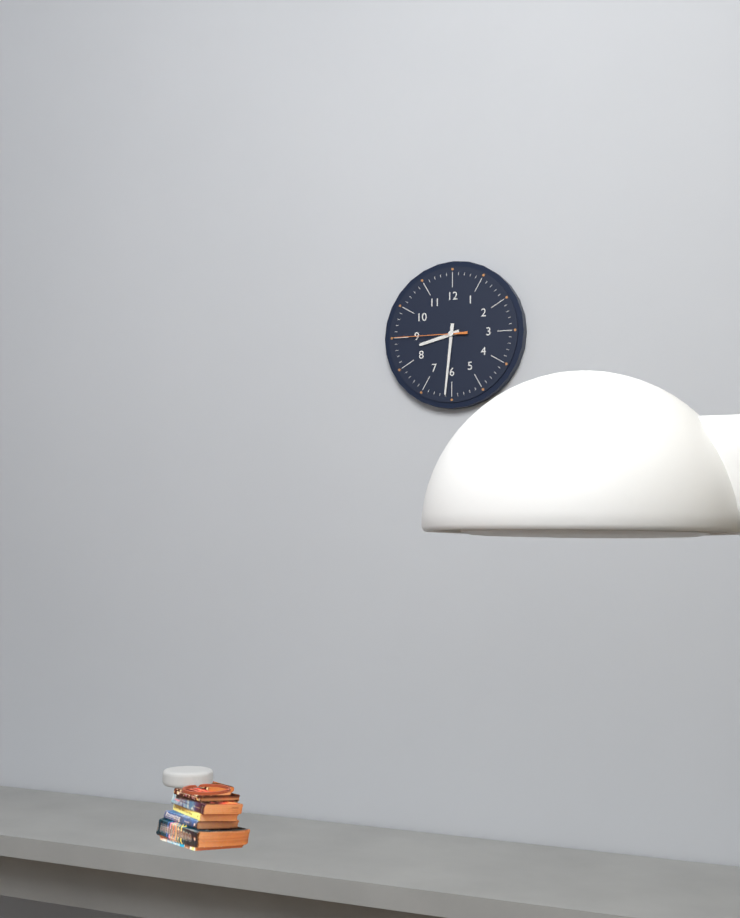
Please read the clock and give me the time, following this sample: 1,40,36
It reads 8,31,45
